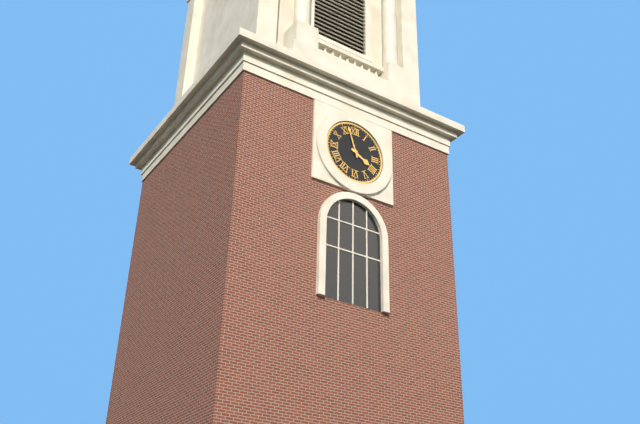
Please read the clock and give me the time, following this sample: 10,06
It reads 3,57
